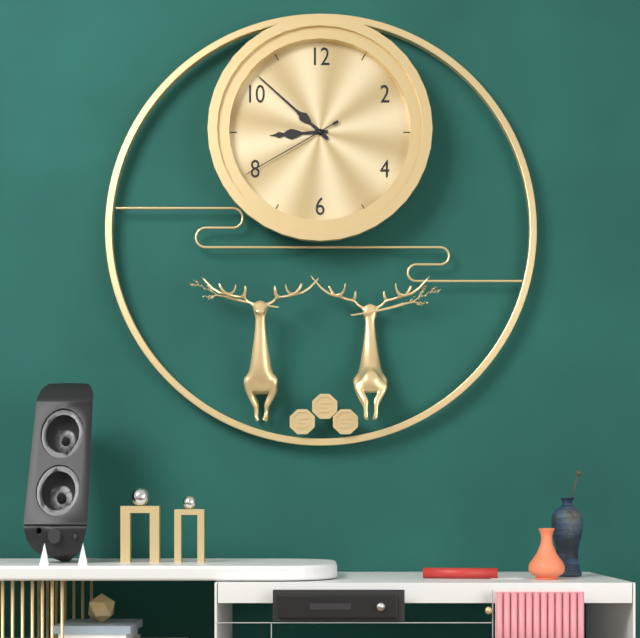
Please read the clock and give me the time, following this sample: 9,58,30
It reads 8,52,40
